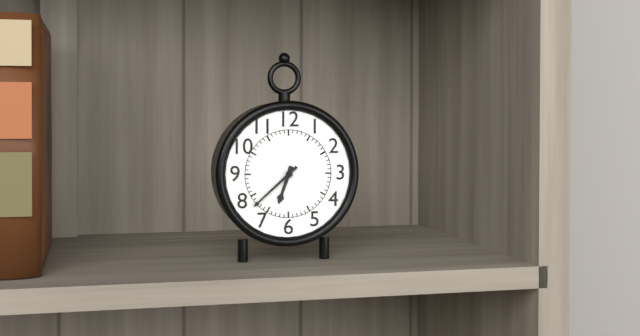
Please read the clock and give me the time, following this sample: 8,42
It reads 6,38
